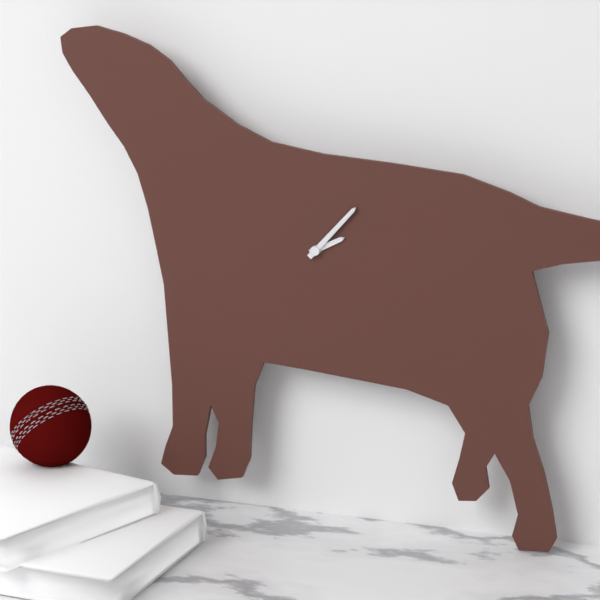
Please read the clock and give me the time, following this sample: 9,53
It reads 2,07
